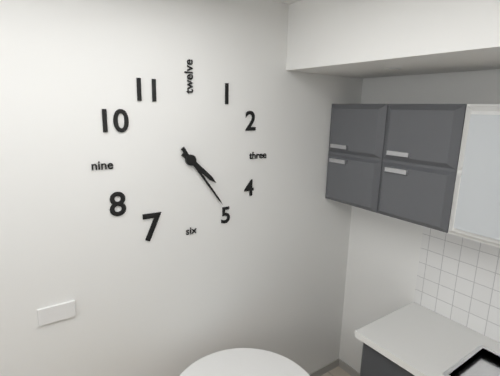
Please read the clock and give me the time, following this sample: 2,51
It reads 4,24
